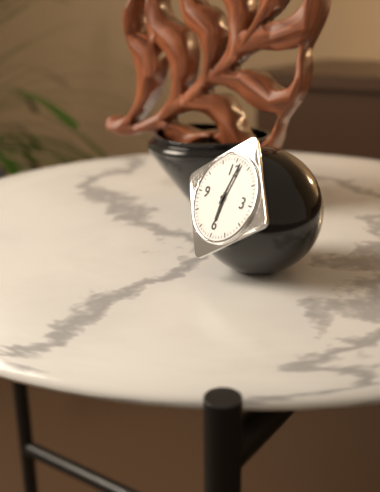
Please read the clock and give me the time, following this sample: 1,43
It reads 6,02
